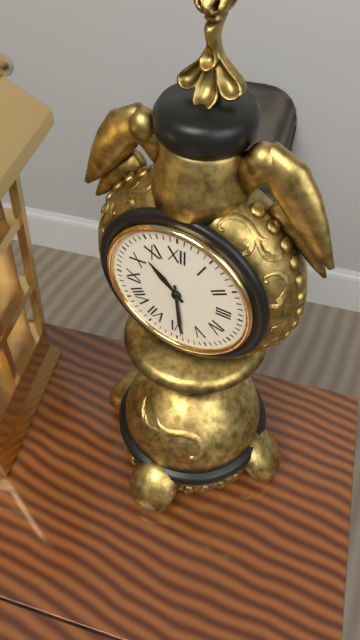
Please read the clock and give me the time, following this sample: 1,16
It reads 10,29
